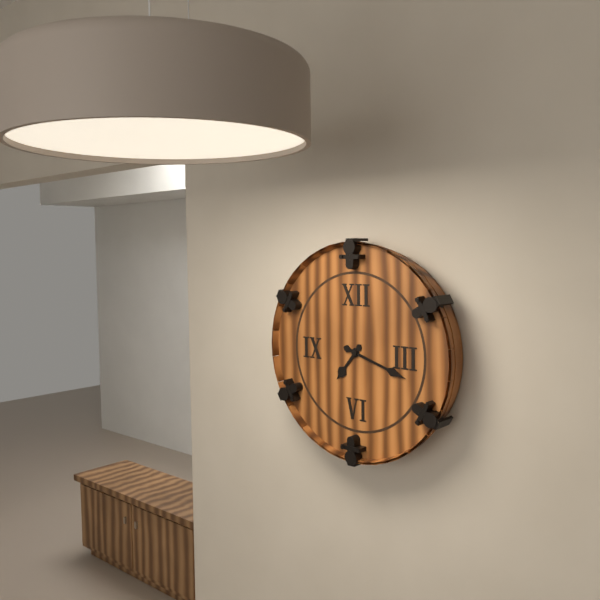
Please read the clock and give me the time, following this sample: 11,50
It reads 7,18
